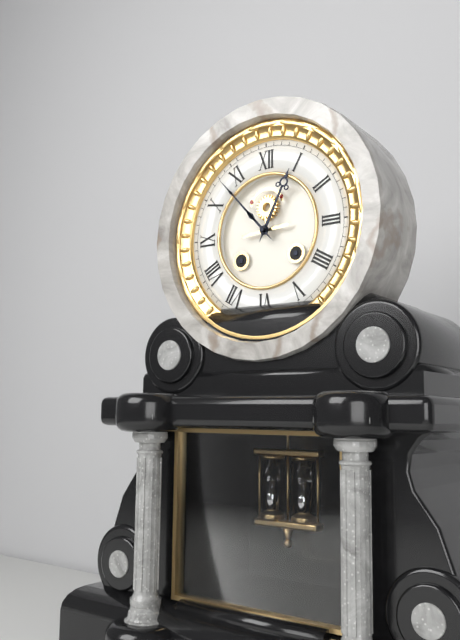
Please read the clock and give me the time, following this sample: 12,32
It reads 12,53
